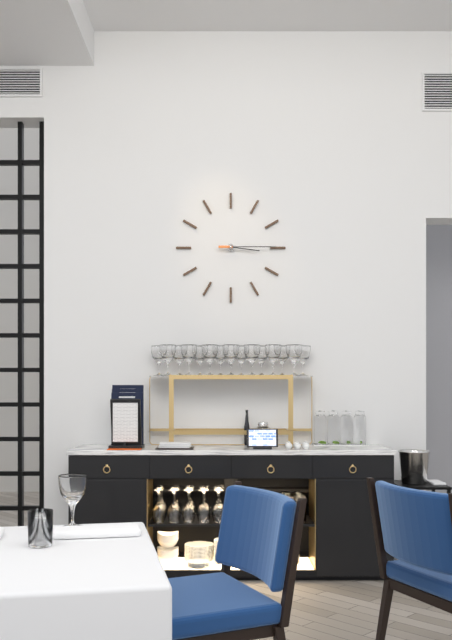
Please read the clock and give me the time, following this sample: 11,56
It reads 3,15
